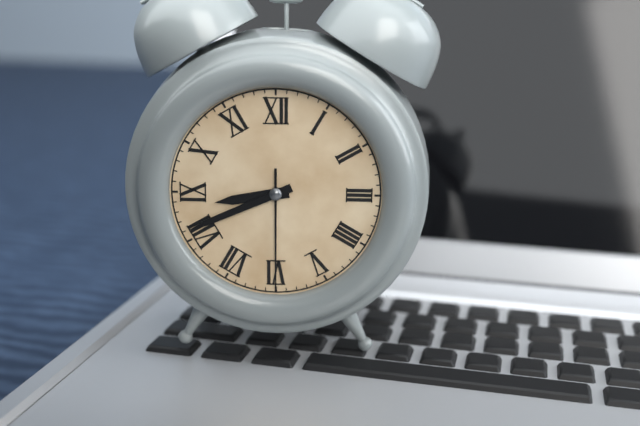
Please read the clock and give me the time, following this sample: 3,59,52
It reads 8,41,30
